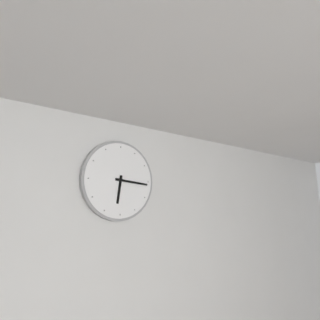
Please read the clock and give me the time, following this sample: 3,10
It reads 6,16
